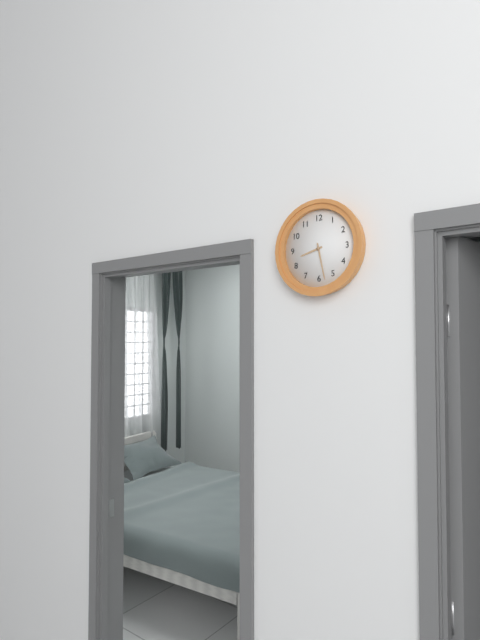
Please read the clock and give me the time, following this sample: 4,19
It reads 8,28
